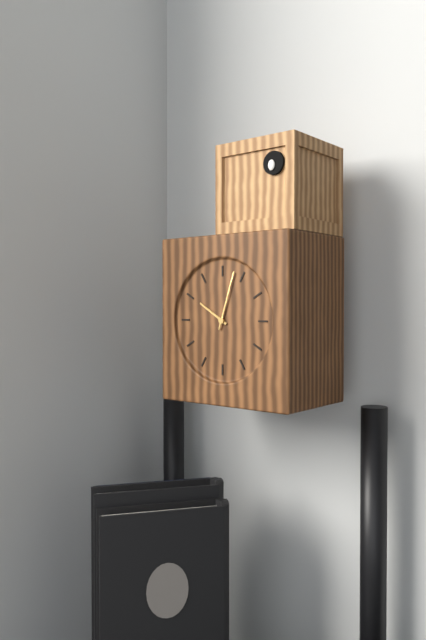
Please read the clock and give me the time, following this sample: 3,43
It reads 10,03
